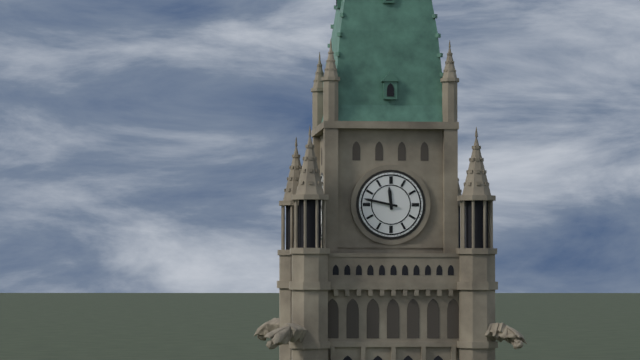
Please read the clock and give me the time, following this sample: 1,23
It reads 11,47
